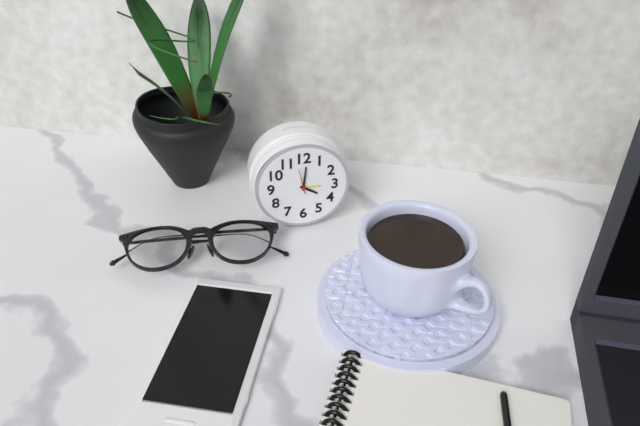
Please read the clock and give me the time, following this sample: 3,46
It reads 4,01
